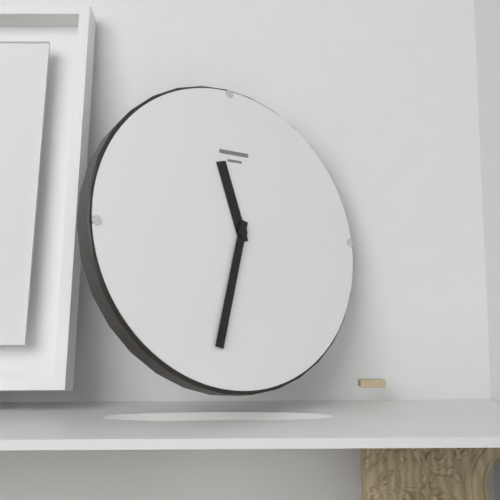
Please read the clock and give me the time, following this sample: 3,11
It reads 11,33
